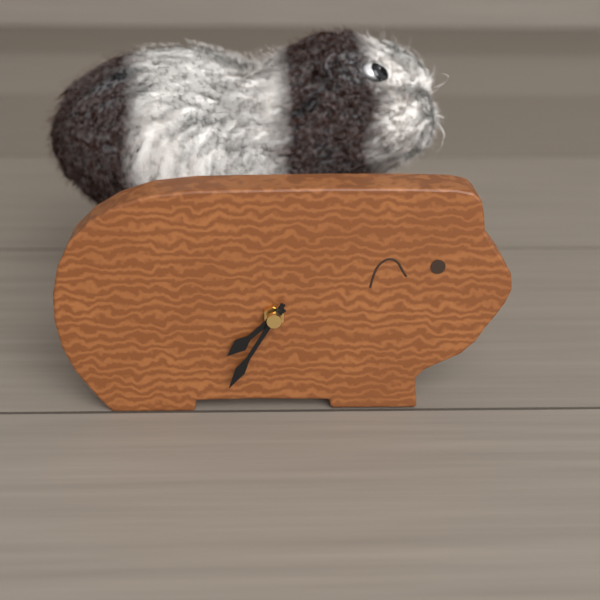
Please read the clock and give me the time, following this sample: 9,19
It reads 7,35
